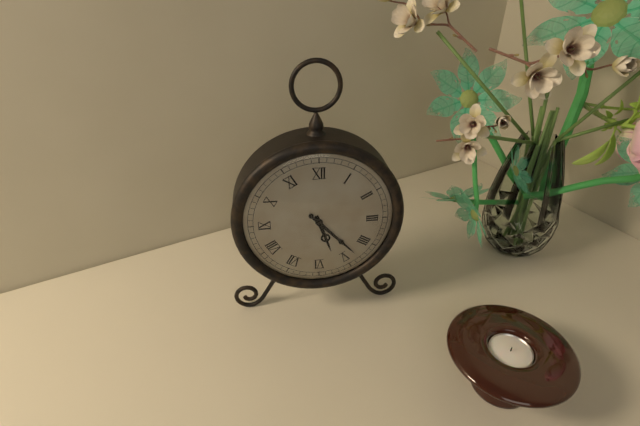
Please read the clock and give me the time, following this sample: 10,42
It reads 5,23
